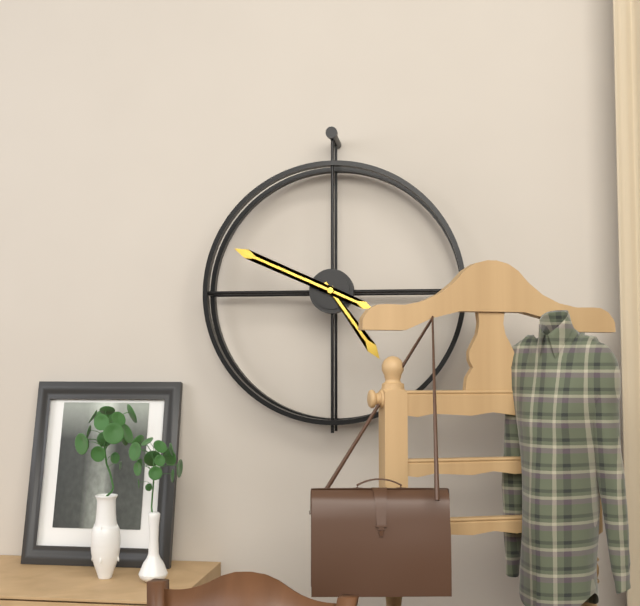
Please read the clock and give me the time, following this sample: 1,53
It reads 4,49
